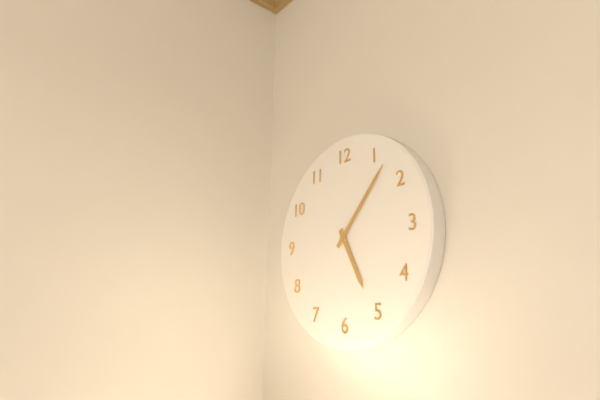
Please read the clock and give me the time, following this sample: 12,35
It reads 5,07
